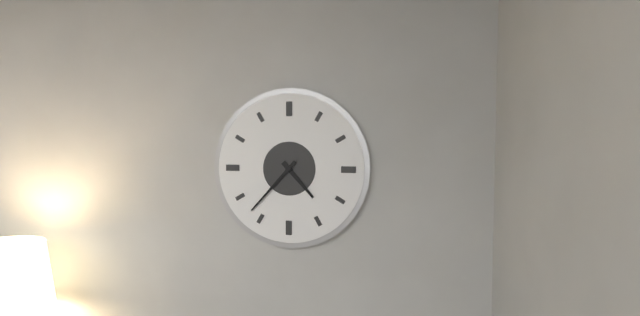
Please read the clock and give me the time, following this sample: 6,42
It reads 4,37
